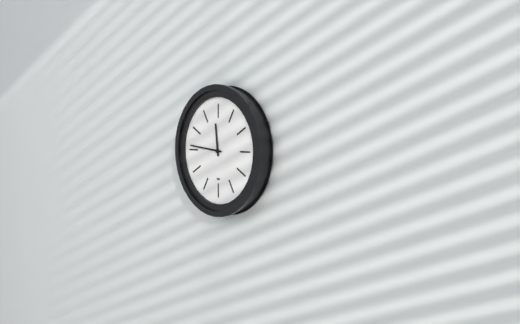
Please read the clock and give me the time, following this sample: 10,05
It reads 11,46
